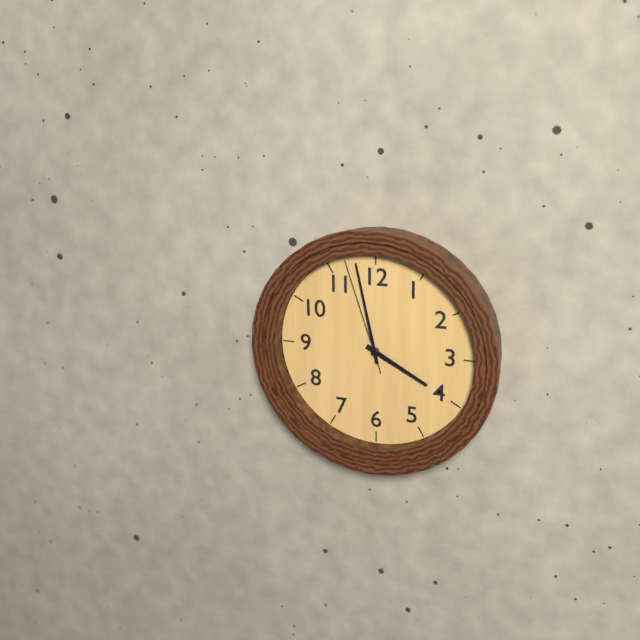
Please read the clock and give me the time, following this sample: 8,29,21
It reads 3,58,57
